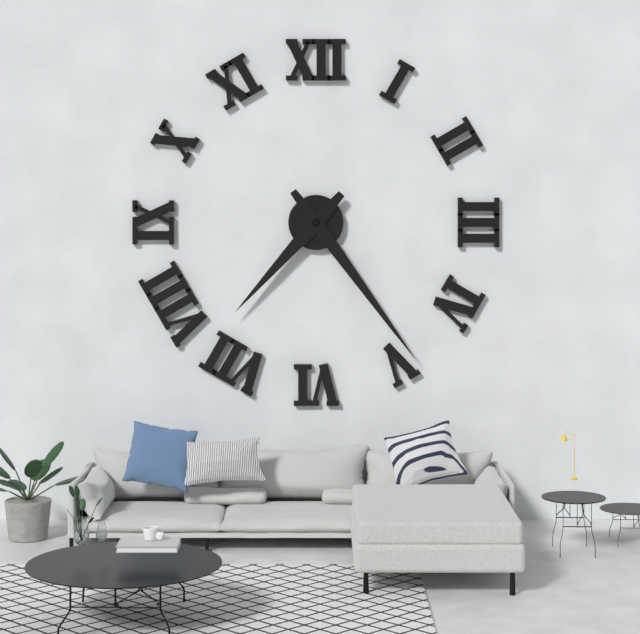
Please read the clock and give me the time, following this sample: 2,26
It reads 7,24
